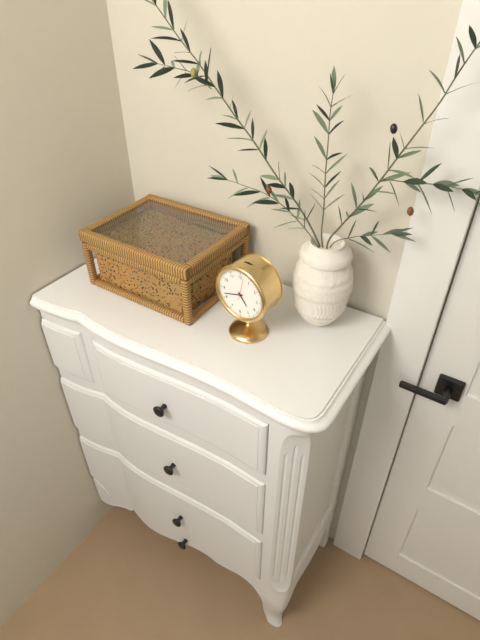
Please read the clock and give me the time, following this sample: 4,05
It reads 4,42
